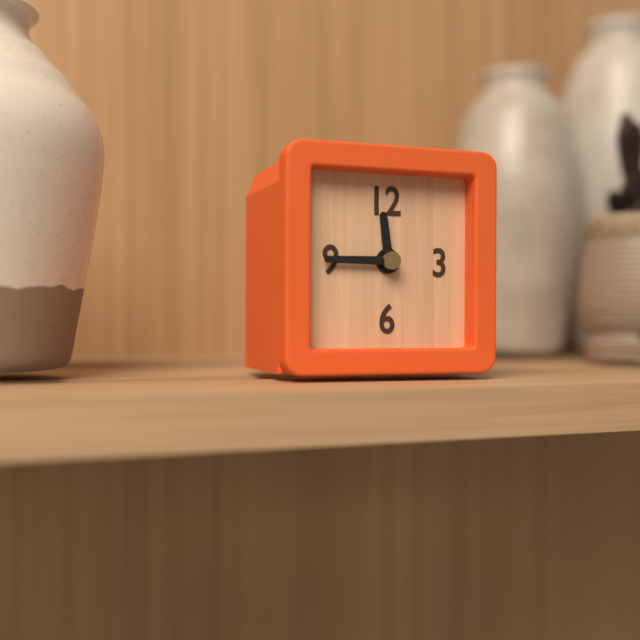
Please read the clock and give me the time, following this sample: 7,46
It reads 11,45
